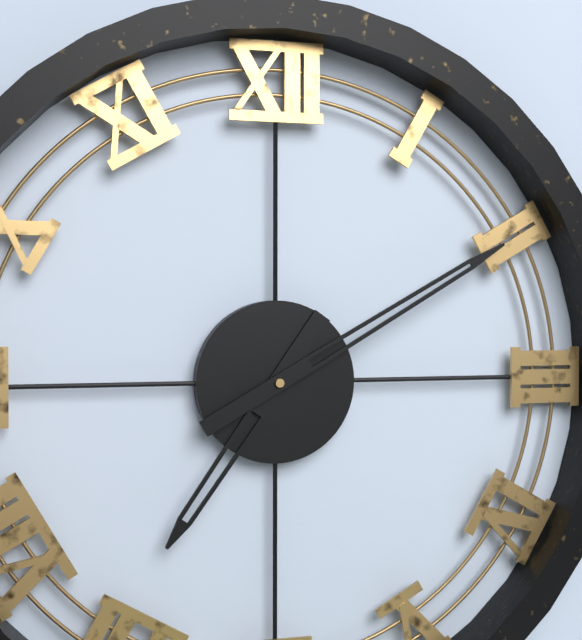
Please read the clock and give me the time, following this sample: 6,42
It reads 7,10
